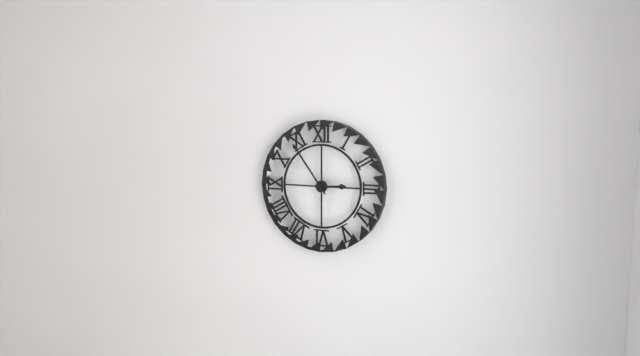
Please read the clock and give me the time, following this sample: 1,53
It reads 2,54
